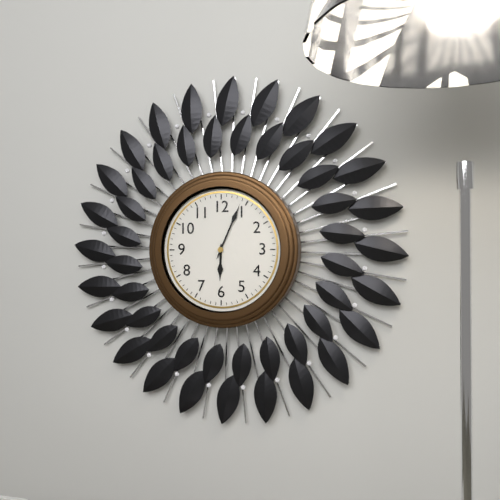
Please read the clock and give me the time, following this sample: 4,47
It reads 6,04
